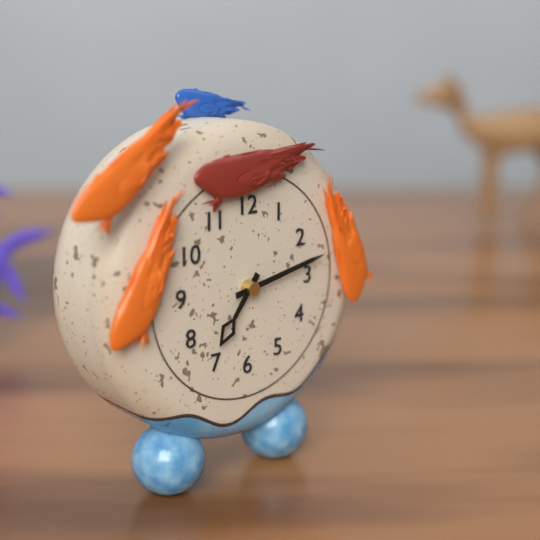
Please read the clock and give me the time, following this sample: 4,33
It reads 7,13
